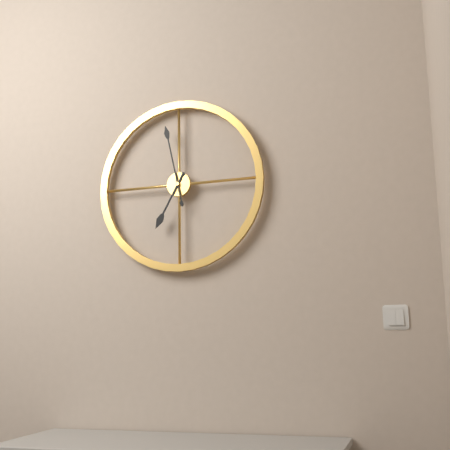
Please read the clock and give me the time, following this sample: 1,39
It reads 6,58
